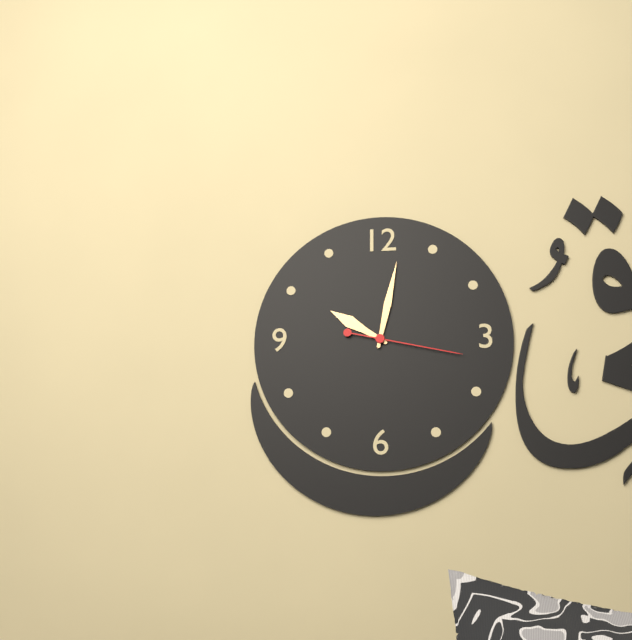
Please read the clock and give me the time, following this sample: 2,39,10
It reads 10,02,17
